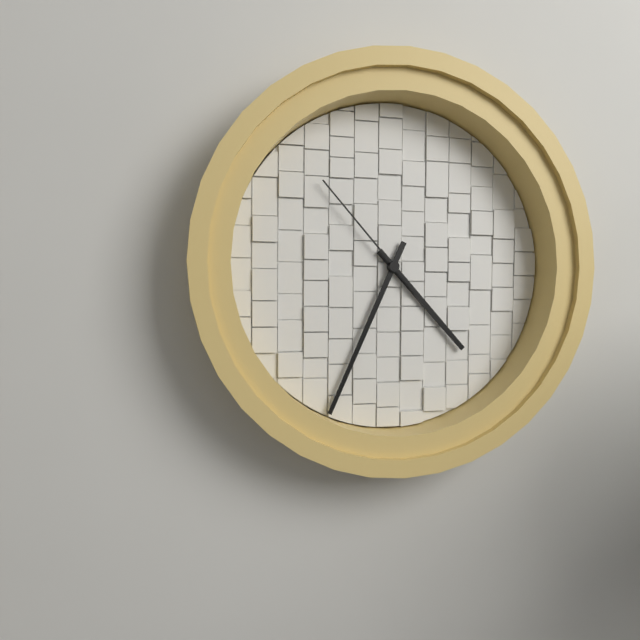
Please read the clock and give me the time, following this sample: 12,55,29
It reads 4,34,53
